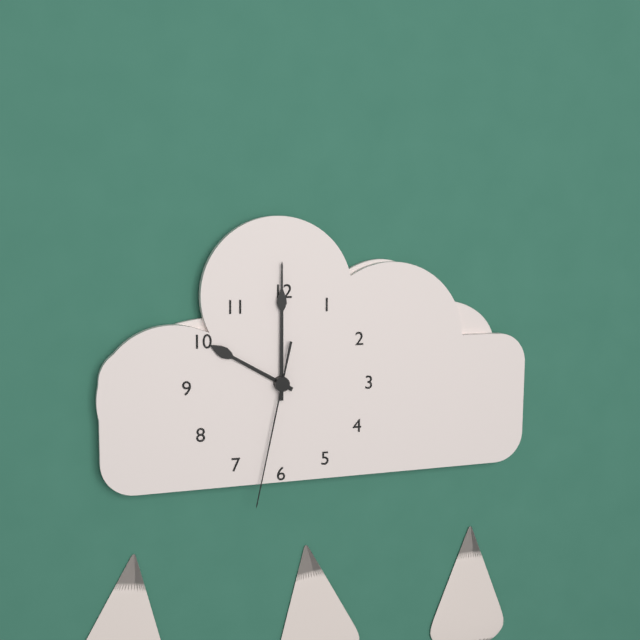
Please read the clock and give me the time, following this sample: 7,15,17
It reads 10,00,32
